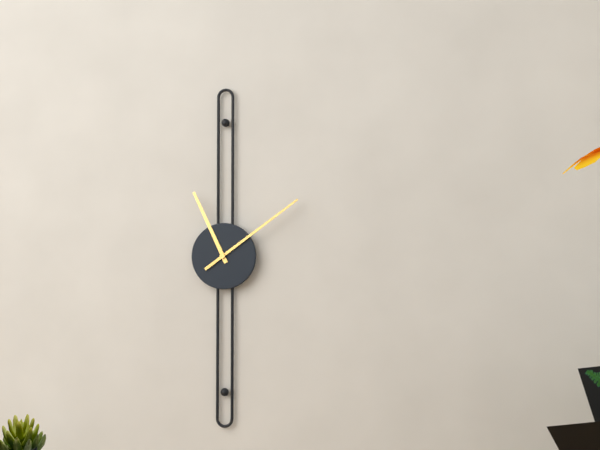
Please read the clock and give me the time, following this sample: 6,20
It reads 11,09
